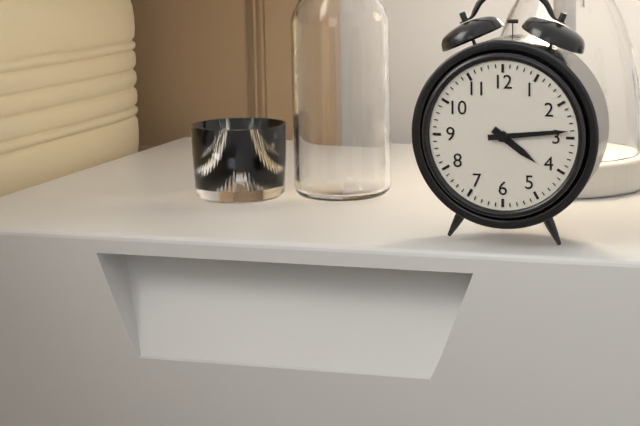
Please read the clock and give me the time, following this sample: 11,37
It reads 4,14
